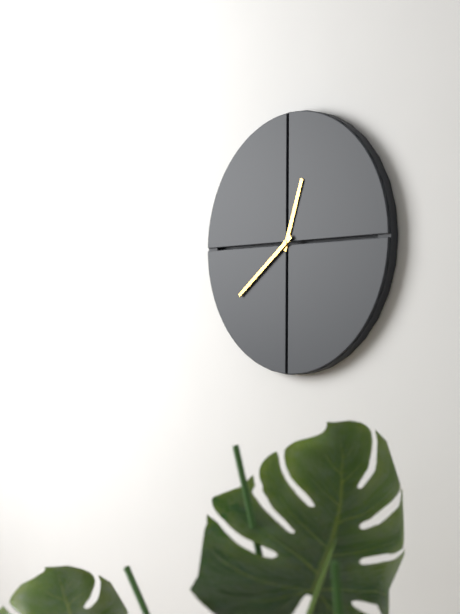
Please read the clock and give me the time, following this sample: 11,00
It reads 12,39
